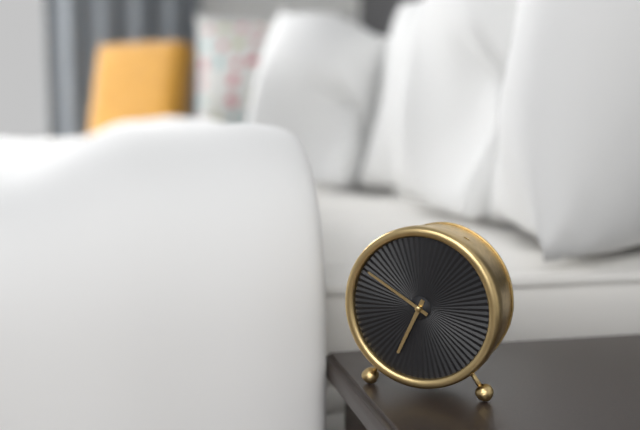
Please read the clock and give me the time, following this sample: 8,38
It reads 6,50
